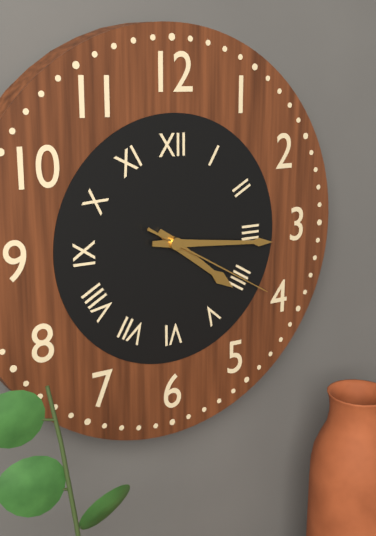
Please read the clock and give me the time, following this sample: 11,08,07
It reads 4,16,20
